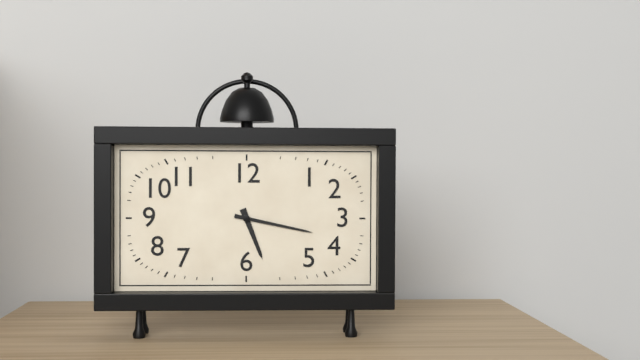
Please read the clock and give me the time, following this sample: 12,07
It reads 5,17
